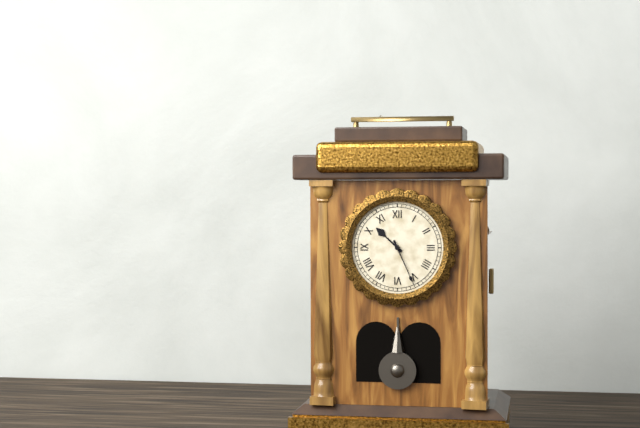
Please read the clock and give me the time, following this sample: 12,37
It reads 10,26
